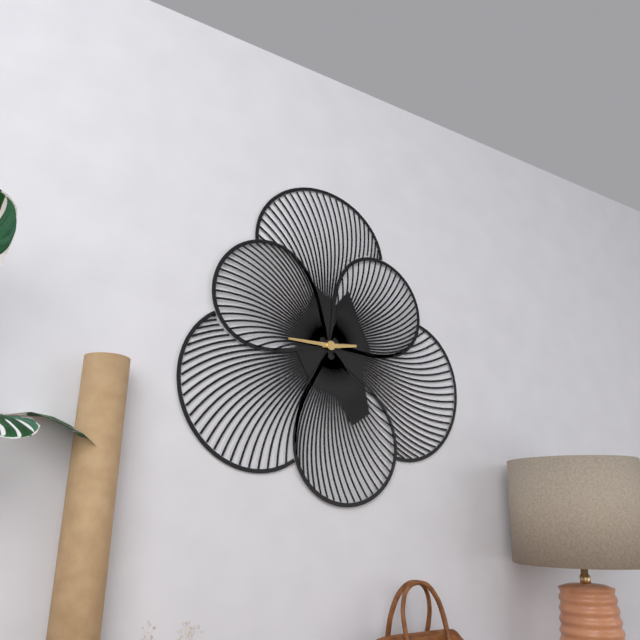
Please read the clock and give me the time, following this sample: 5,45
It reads 2,45
